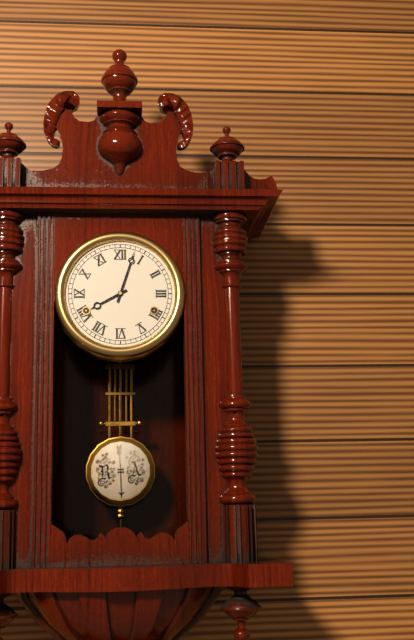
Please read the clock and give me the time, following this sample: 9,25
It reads 8,03
